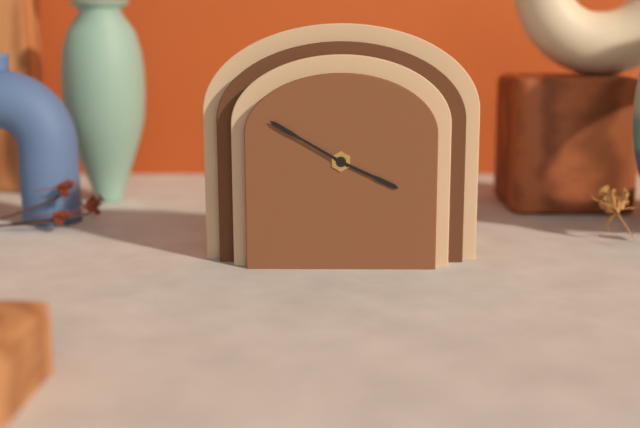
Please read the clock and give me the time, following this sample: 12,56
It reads 3,50
